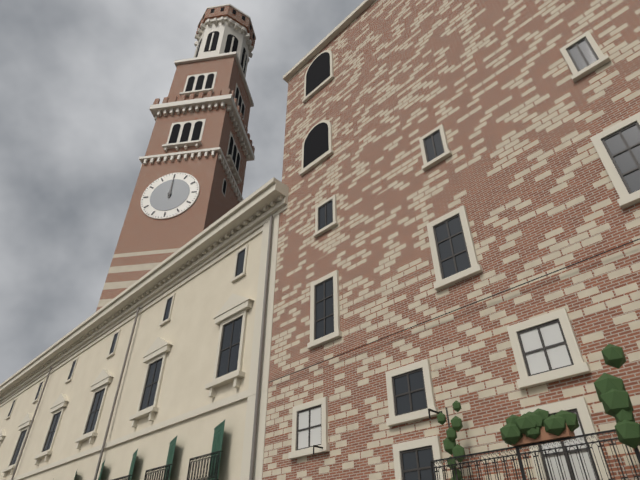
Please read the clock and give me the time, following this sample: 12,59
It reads 12,00
